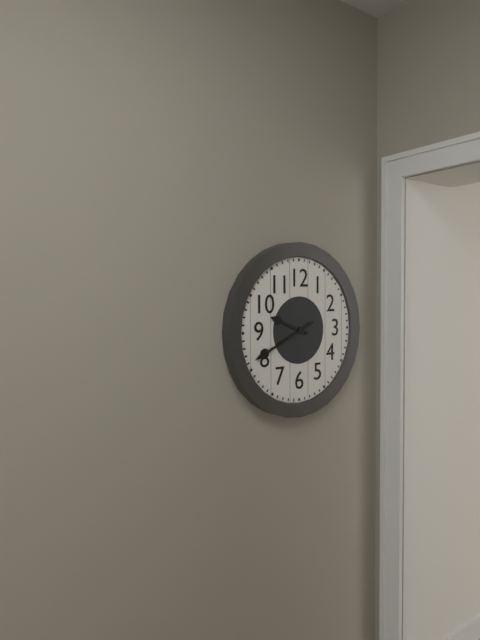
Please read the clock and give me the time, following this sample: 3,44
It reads 9,41
